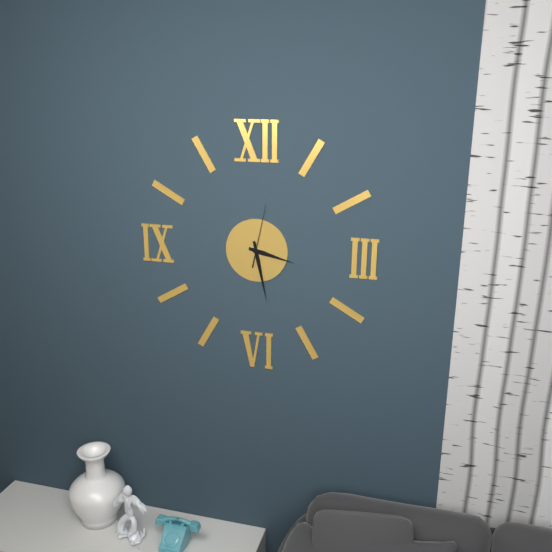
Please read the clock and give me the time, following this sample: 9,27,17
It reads 3,28,02
